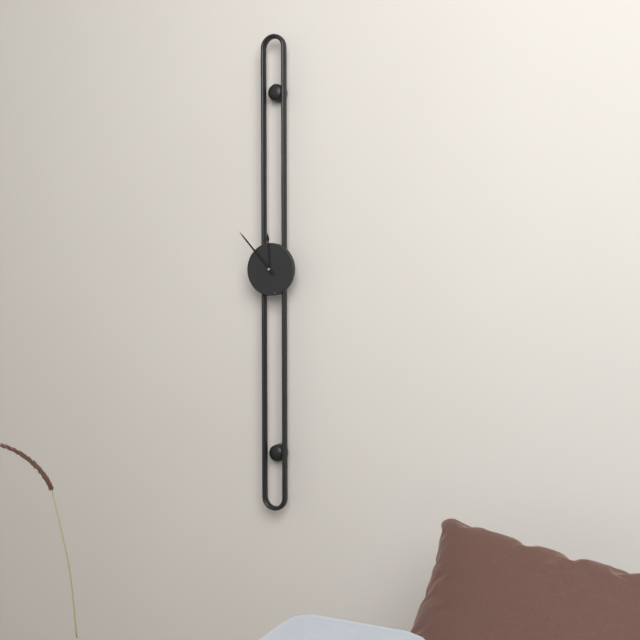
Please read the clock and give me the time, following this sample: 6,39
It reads 11,53
